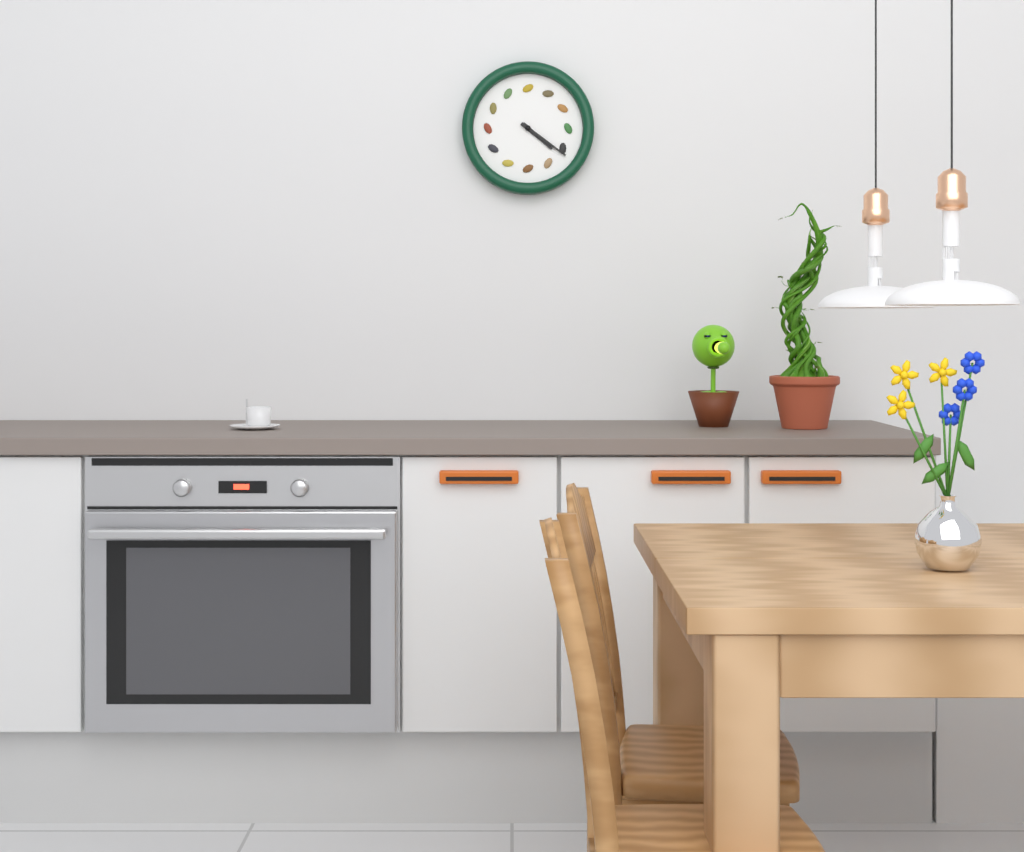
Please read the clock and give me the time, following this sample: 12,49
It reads 4,21
